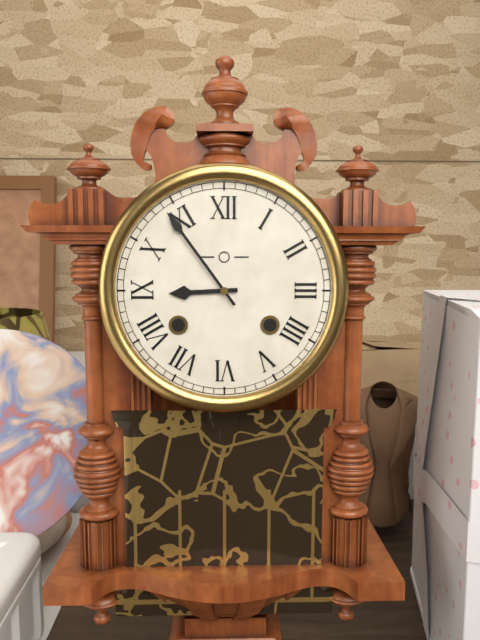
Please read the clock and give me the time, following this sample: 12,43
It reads 8,54
